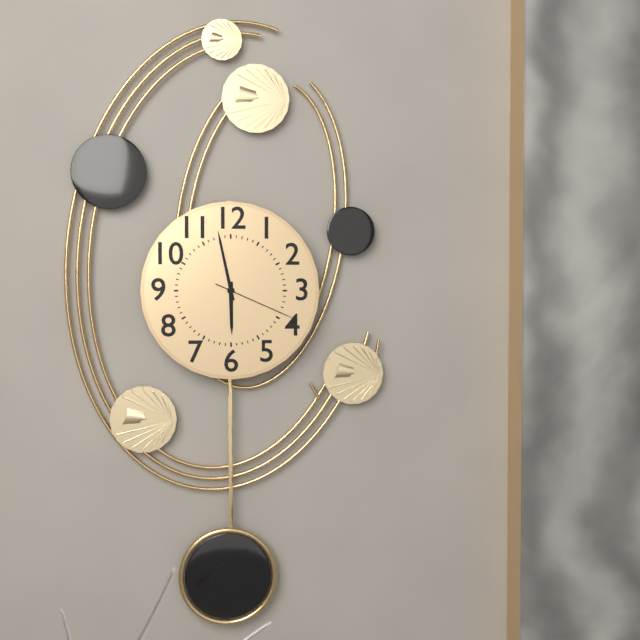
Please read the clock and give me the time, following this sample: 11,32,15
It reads 5,58,19
